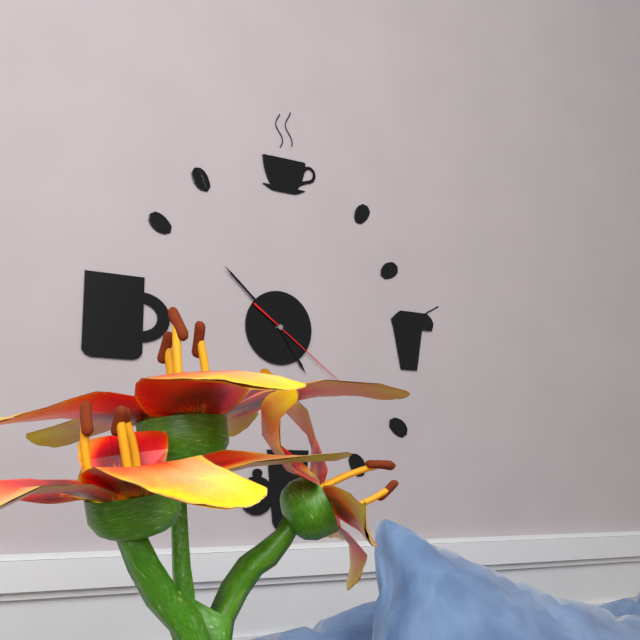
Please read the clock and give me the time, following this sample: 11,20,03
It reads 4,52,21
